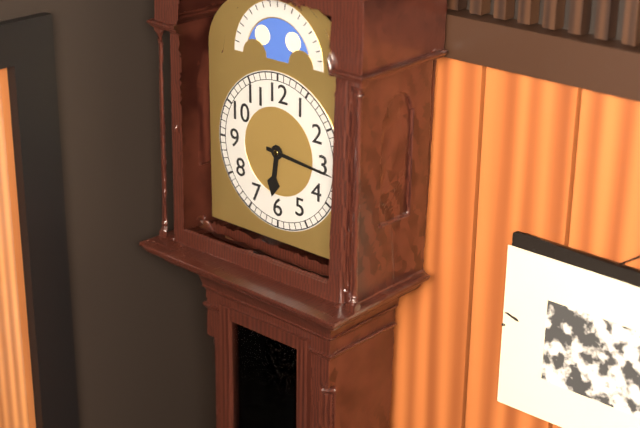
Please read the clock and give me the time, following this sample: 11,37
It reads 6,16
